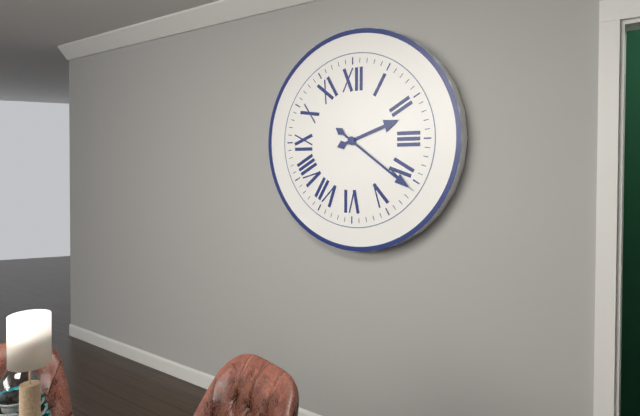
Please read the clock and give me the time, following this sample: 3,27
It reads 2,21
